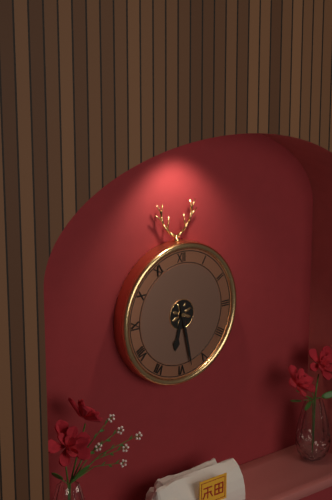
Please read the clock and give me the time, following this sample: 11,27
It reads 6,28
